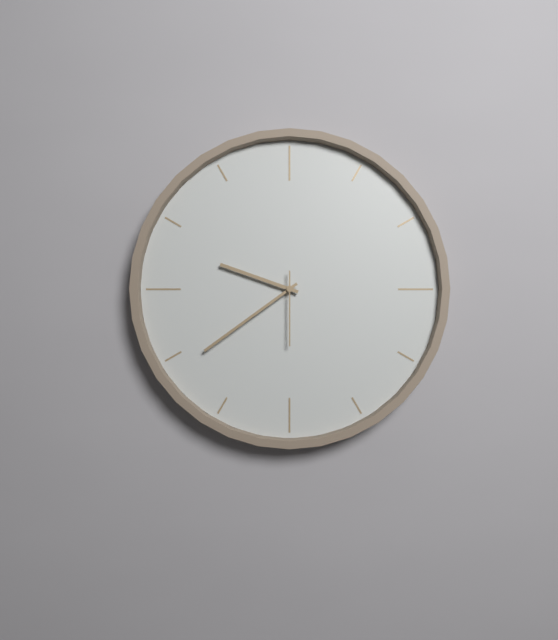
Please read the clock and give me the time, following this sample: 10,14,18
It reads 9,39,30
